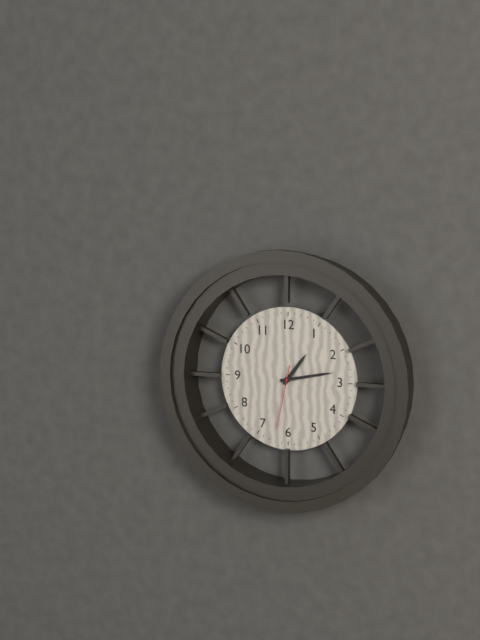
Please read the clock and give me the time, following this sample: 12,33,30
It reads 1,13,32
